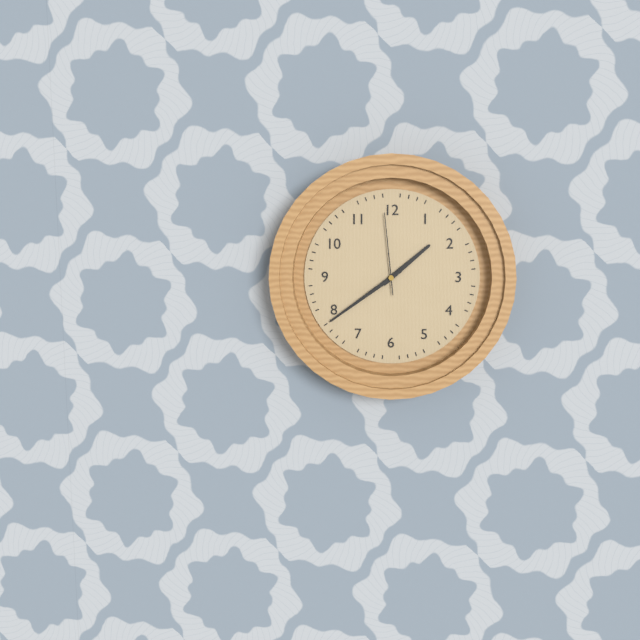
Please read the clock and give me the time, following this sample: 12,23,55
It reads 1,39,59
